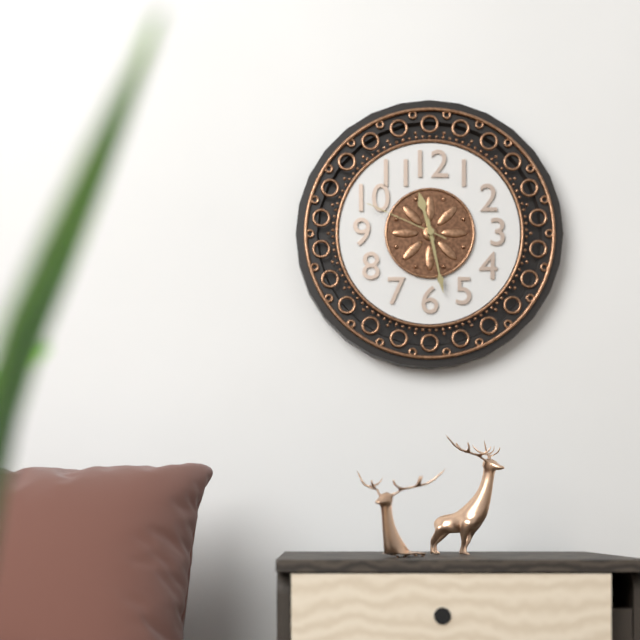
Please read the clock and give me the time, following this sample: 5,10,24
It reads 11,28,49
